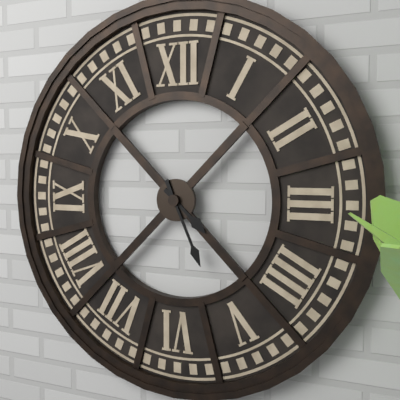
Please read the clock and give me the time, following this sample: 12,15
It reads 4,26
